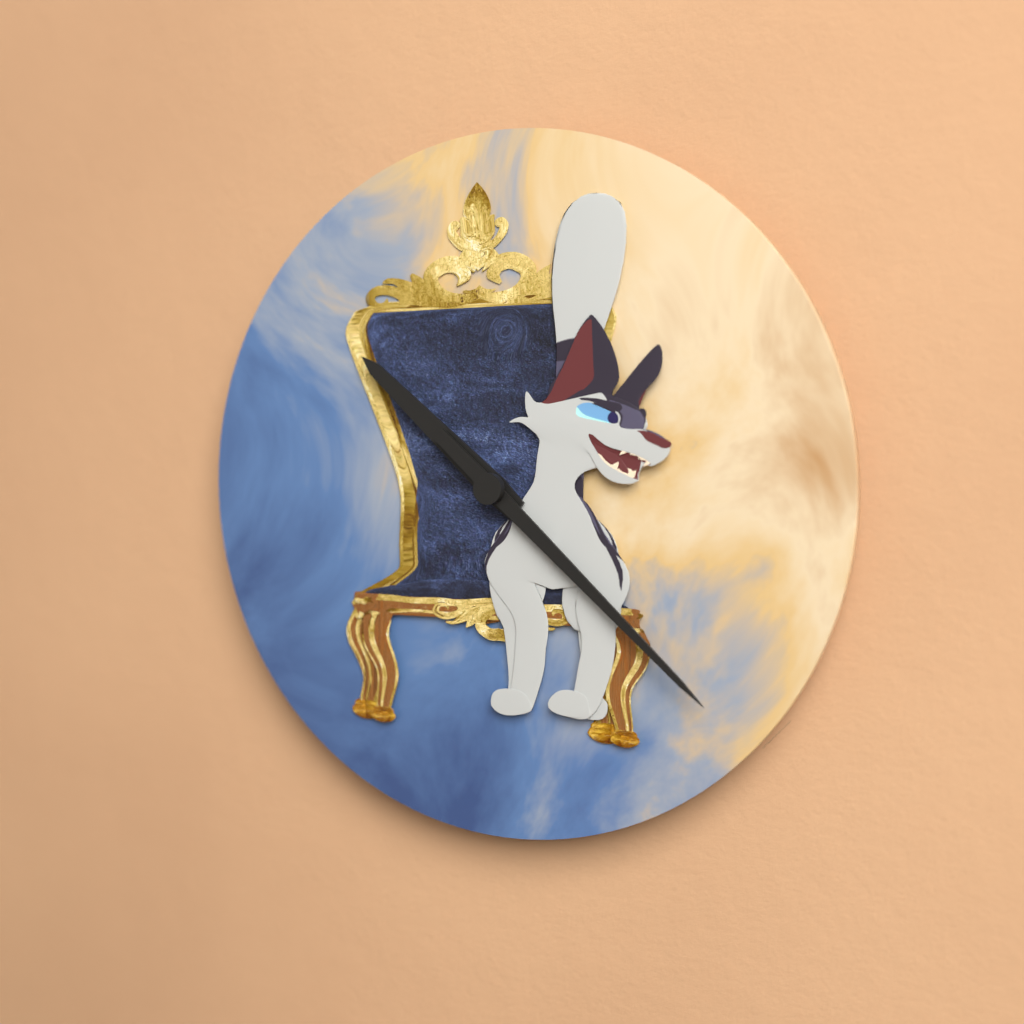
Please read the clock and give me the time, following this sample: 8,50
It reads 10,22
